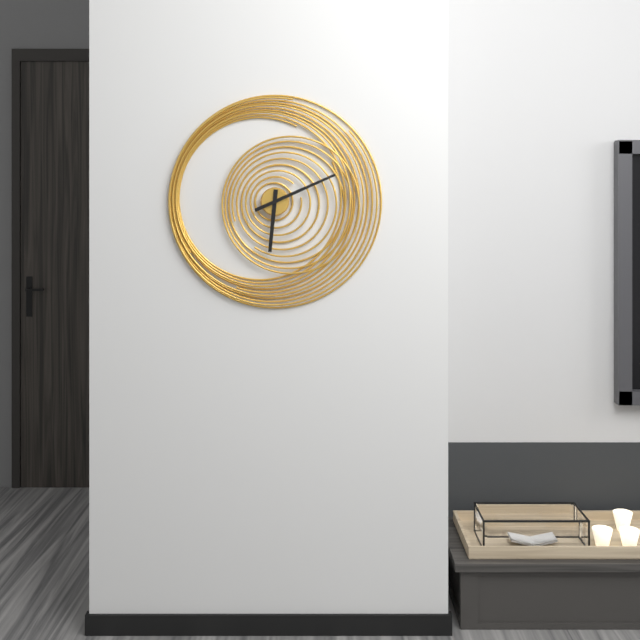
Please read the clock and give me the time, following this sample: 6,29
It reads 6,11
